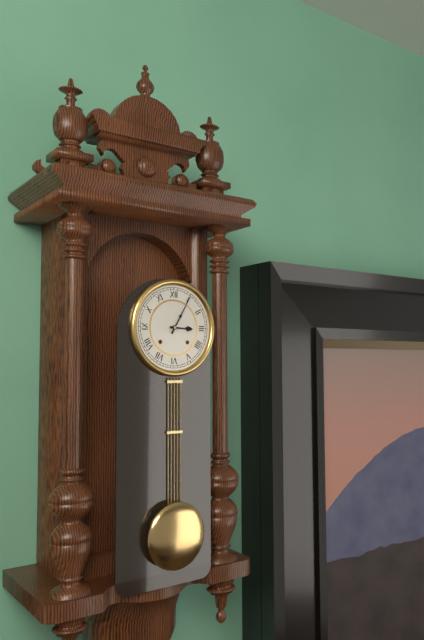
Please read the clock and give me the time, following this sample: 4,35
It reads 3,05
